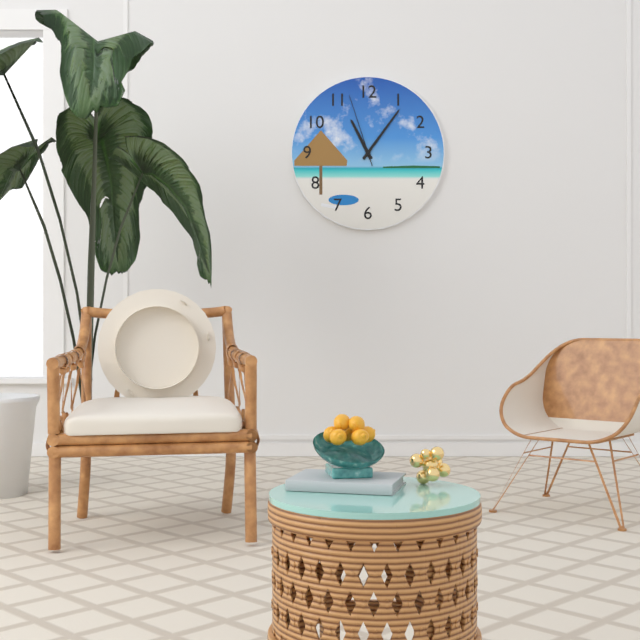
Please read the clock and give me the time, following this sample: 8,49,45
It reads 11,06,57
